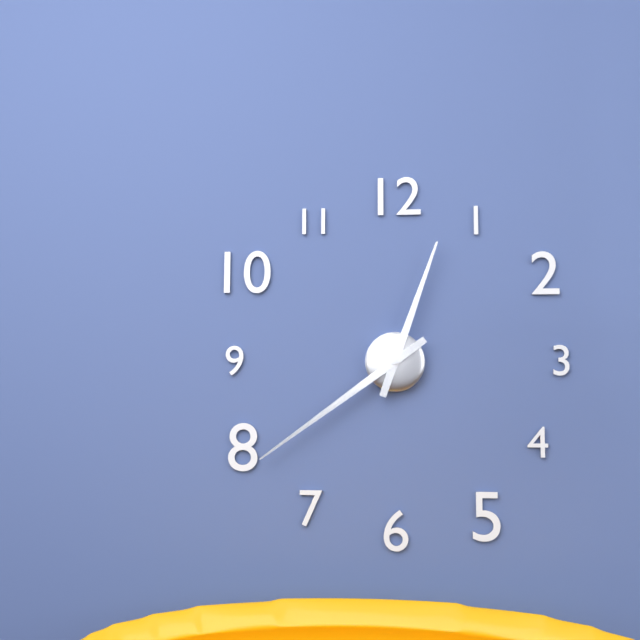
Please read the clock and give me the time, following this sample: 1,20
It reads 12,39
